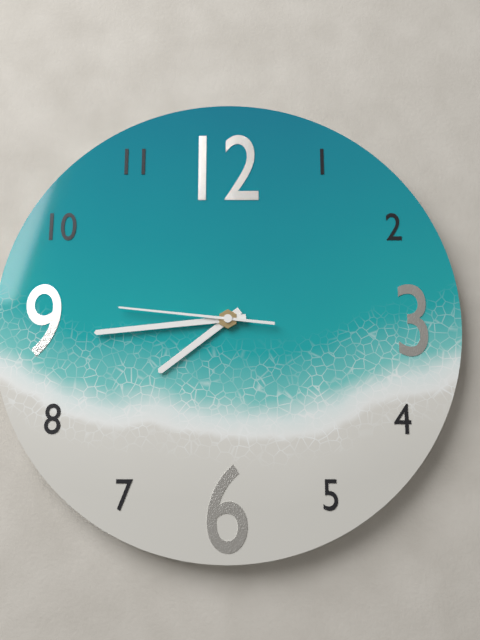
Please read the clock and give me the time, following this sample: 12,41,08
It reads 7,44,46
